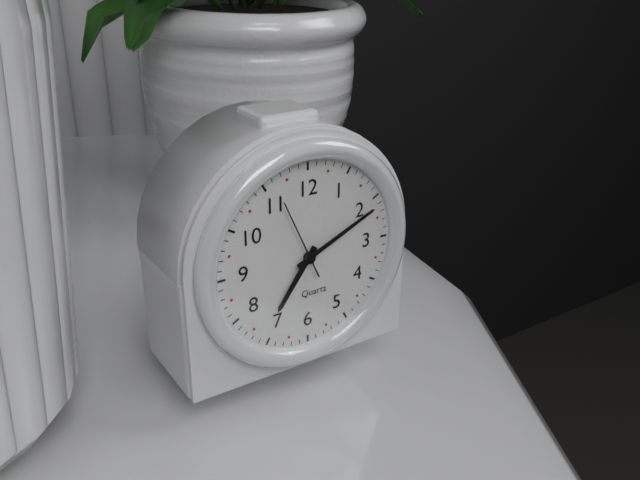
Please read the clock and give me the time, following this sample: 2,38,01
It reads 7,11,56
